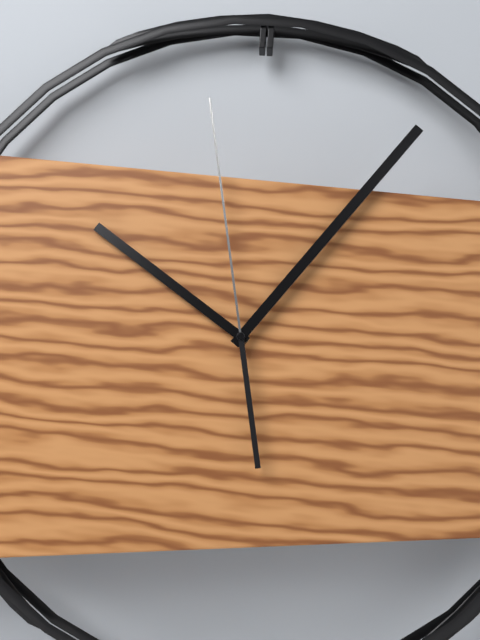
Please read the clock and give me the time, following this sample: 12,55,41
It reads 10,06,58
